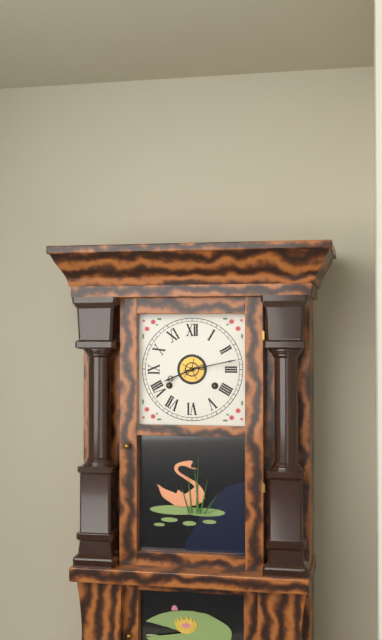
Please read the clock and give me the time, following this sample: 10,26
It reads 8,13
